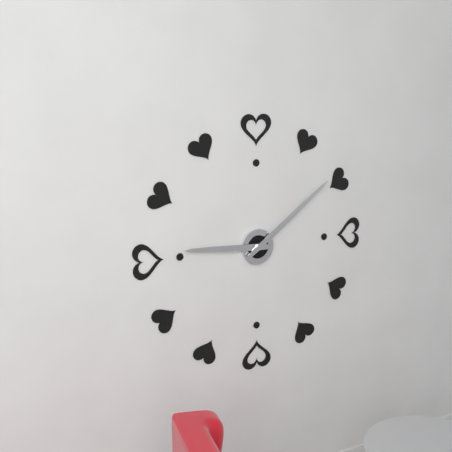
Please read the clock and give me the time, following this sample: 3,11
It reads 9,09
